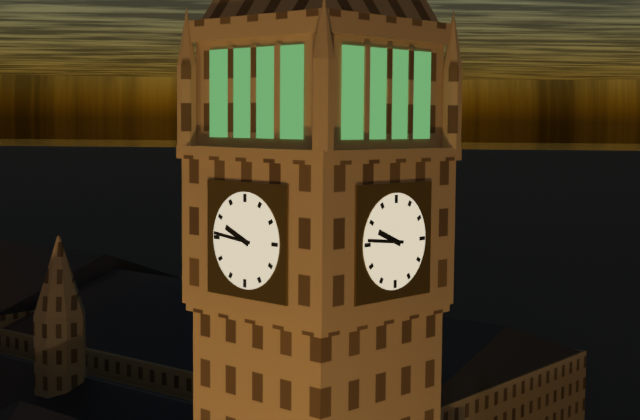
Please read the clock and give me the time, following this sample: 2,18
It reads 9,46
